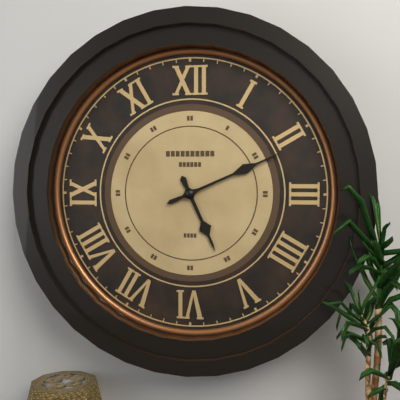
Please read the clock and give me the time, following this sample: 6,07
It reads 5,11
